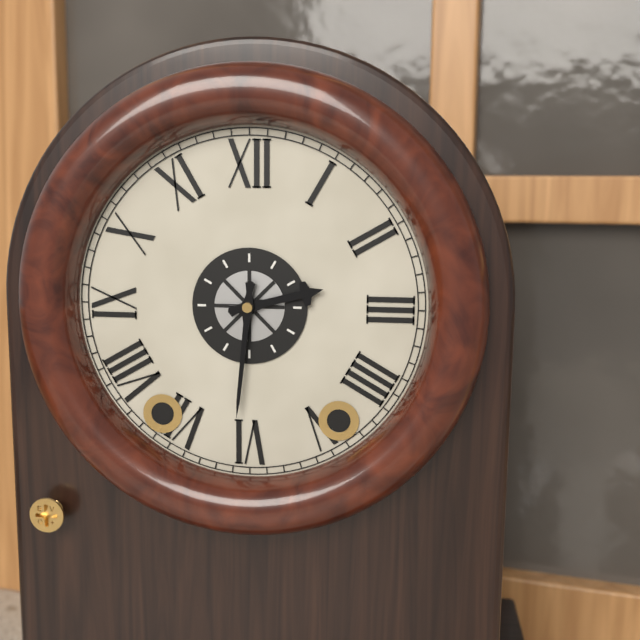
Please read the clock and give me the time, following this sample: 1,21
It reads 2,31
